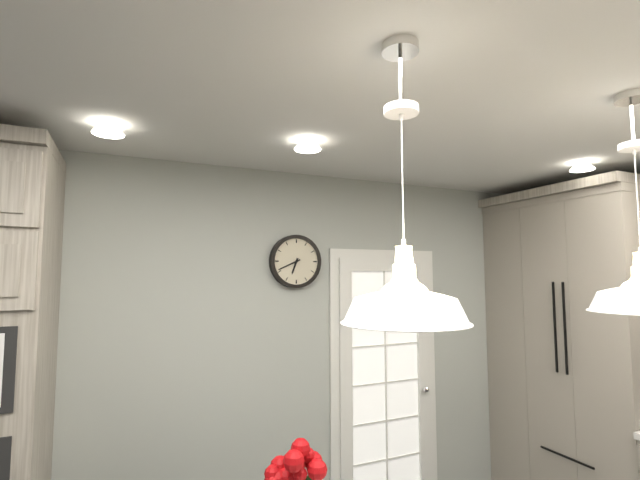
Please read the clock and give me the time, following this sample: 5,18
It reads 6,41
